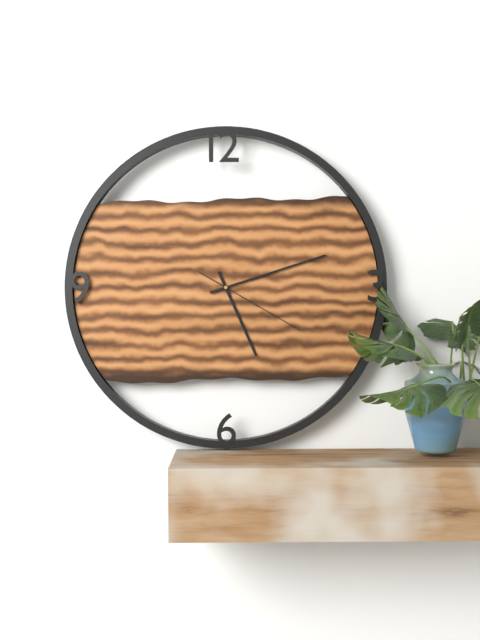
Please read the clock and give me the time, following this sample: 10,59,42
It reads 5,12,20
